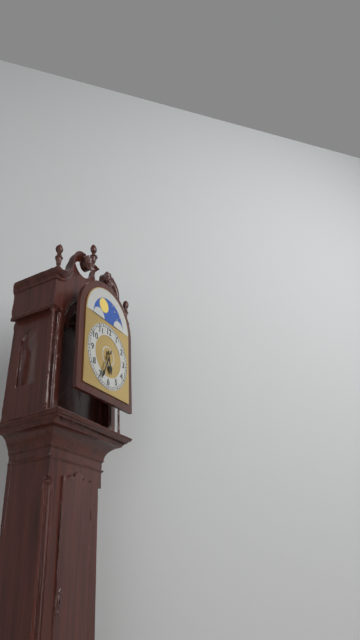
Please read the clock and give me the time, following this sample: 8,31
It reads 5,34
